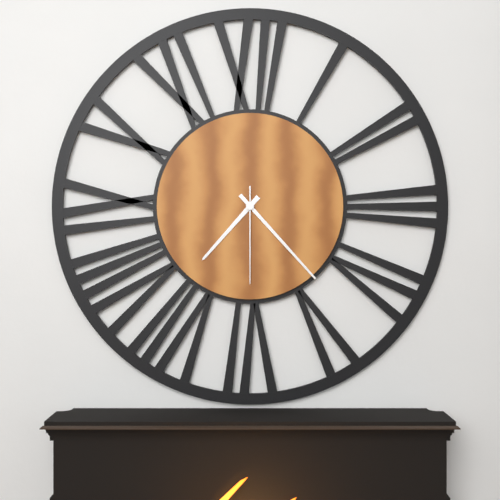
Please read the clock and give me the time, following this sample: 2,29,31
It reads 7,23,30
